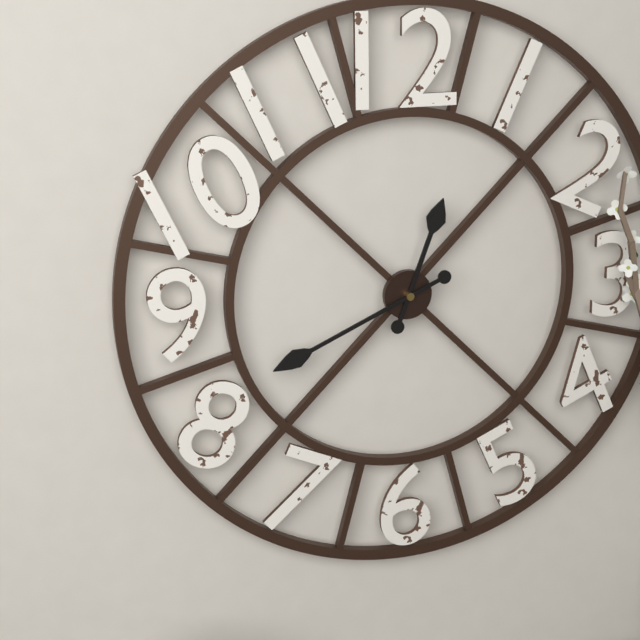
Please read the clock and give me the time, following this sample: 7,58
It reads 12,41
